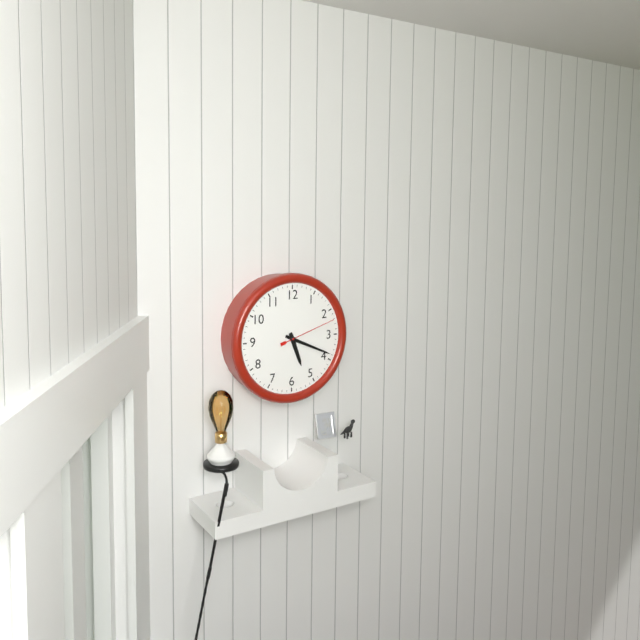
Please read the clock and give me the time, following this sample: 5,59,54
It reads 5,19,12
